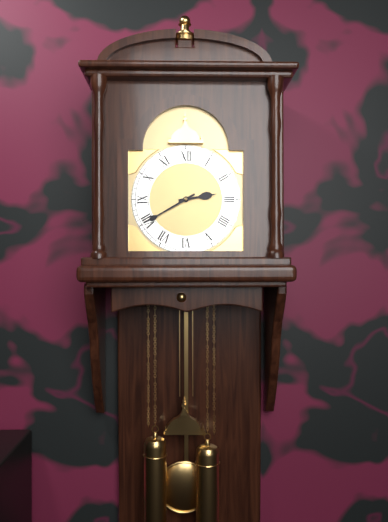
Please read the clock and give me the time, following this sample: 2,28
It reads 2,40
